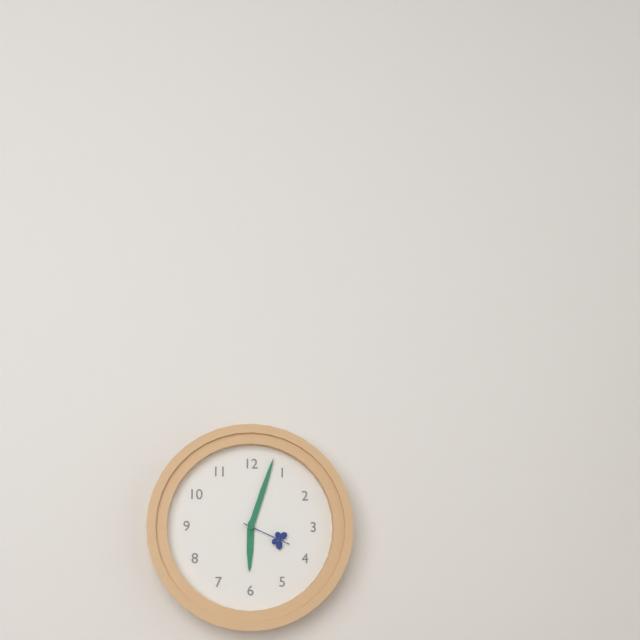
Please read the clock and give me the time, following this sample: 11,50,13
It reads 6,03,19
